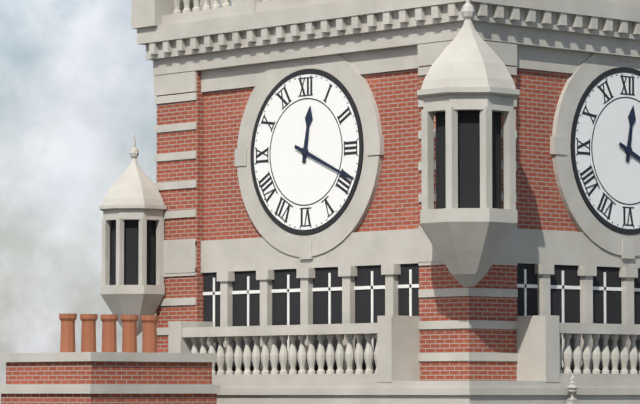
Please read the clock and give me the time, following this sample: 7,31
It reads 12,19
